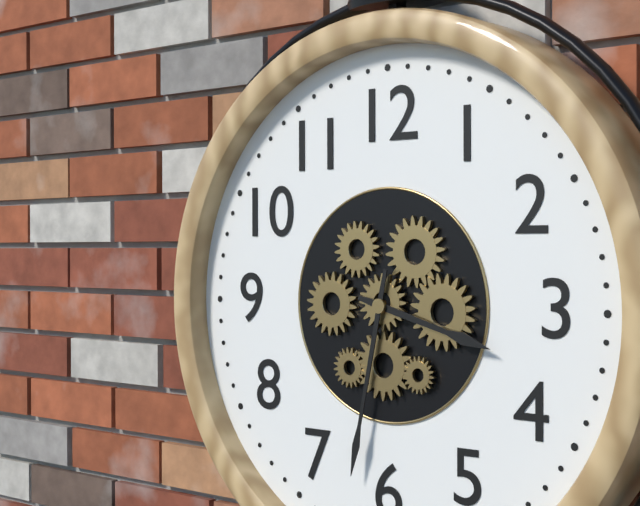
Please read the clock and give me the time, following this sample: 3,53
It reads 3,32
